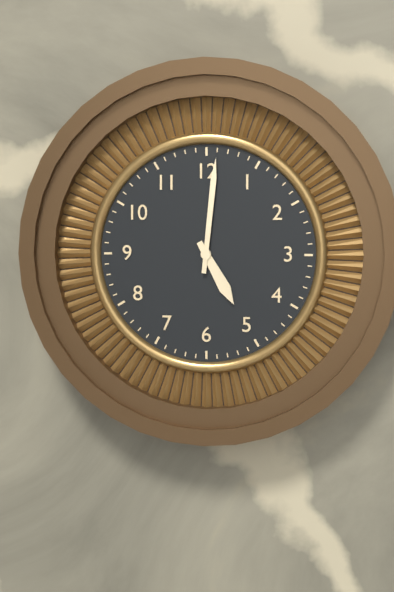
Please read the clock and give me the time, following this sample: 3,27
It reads 5,01
